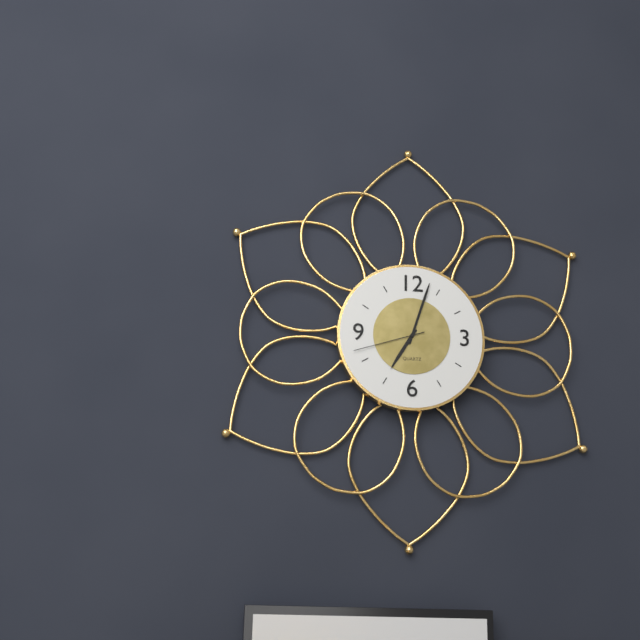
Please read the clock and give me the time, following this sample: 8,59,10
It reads 7,03,42
